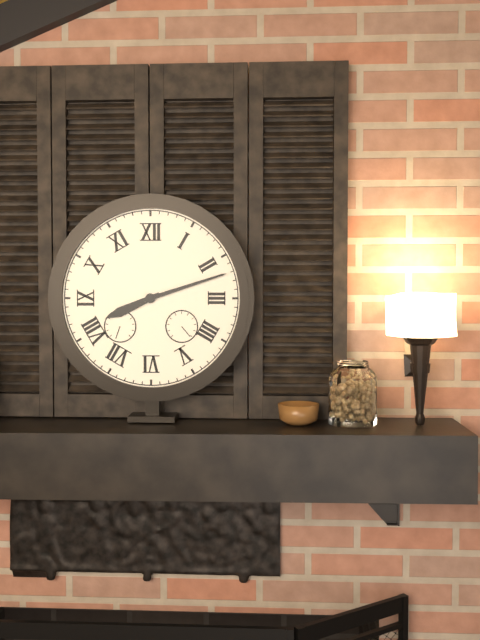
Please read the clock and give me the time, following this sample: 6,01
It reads 8,12
